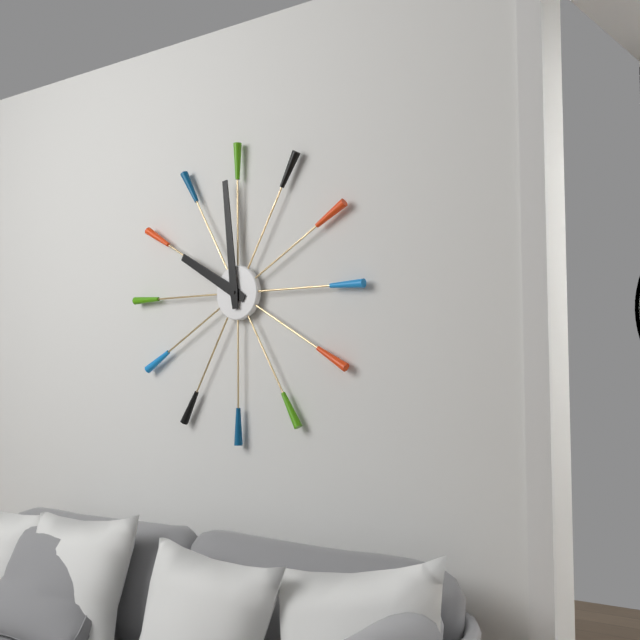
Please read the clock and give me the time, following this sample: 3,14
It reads 9,59
